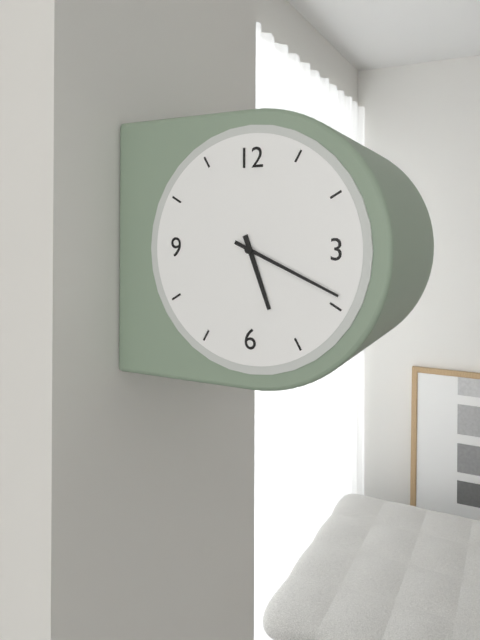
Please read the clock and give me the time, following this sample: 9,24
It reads 5,19
